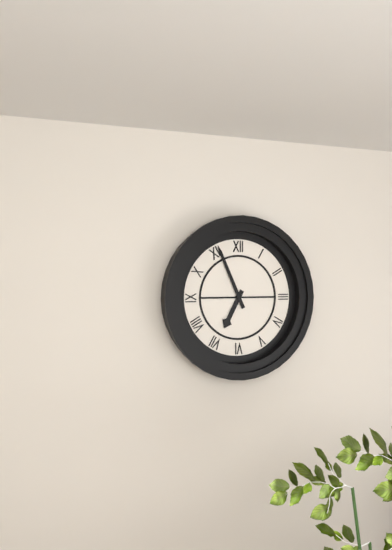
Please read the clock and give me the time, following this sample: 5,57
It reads 6,56
